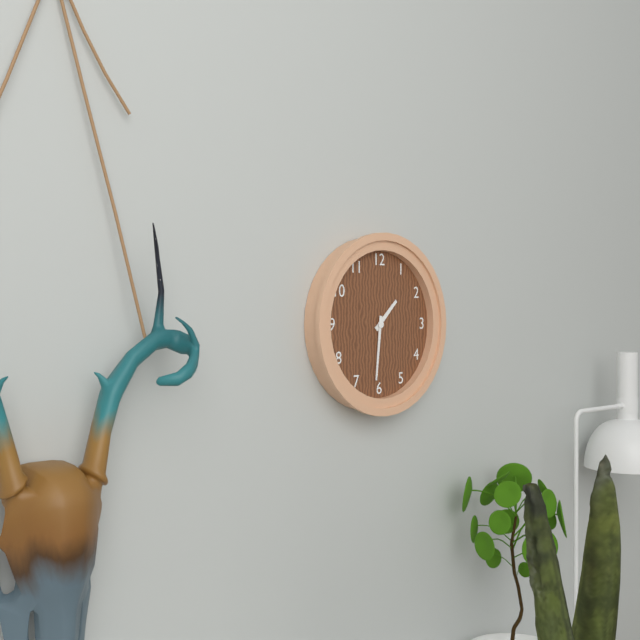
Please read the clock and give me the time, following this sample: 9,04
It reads 1,31
